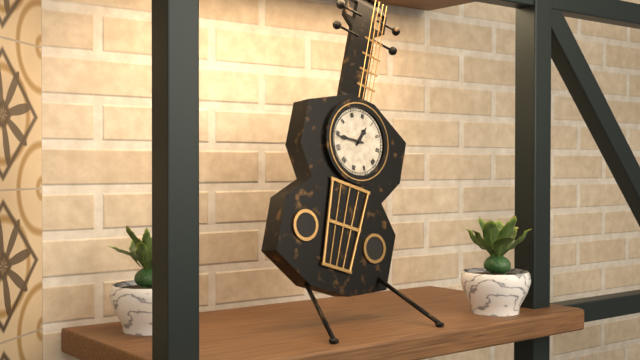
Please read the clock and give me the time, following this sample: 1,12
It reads 12,44
